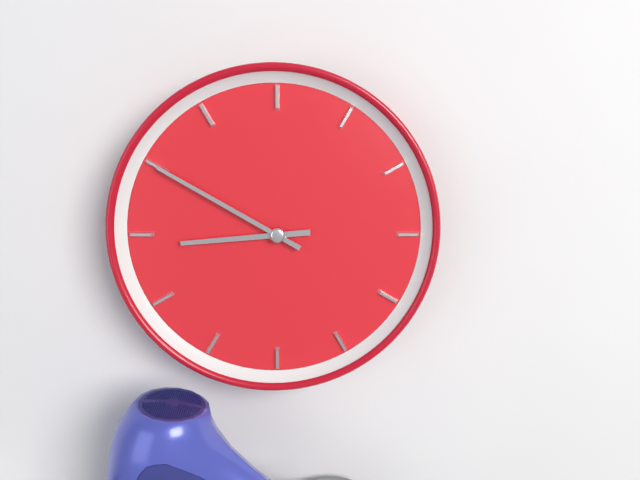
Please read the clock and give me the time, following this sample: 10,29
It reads 8,50
